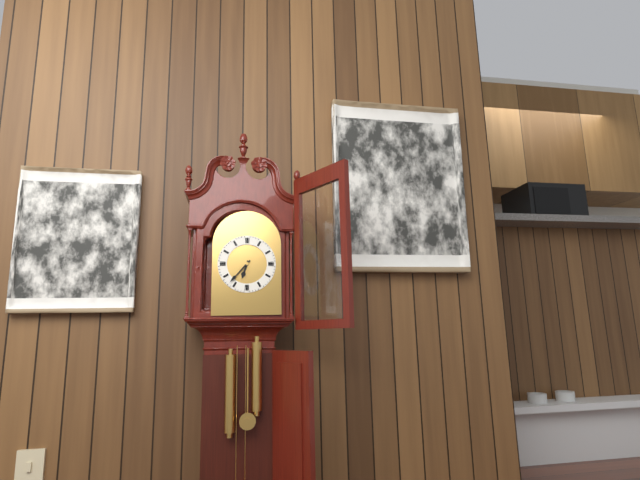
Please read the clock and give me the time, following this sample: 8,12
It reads 6,37
